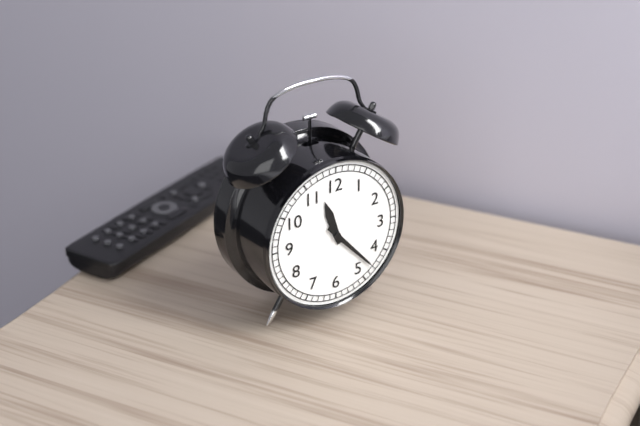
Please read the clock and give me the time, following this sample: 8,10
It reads 11,23
